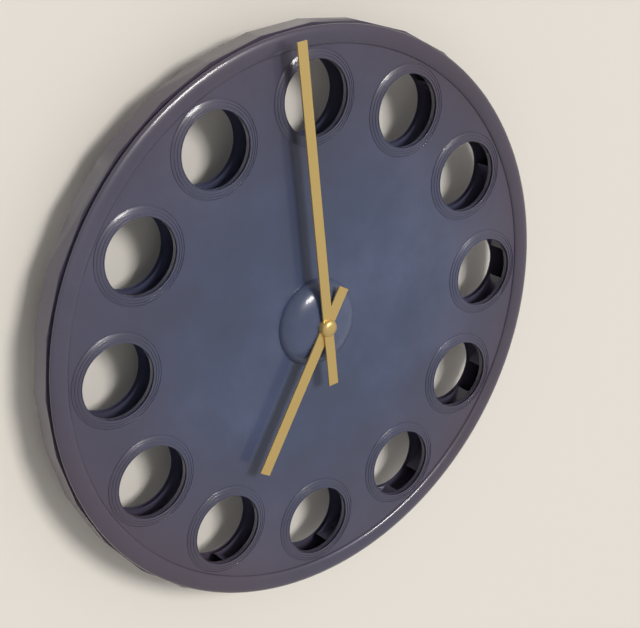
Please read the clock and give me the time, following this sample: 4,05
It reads 6,59
